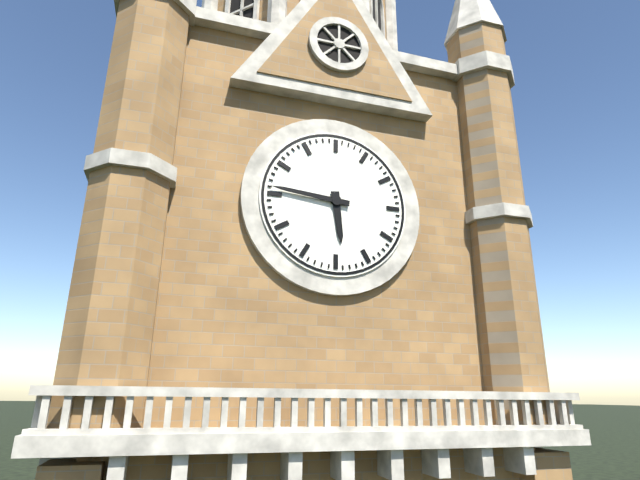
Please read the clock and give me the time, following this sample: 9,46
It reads 5,46
